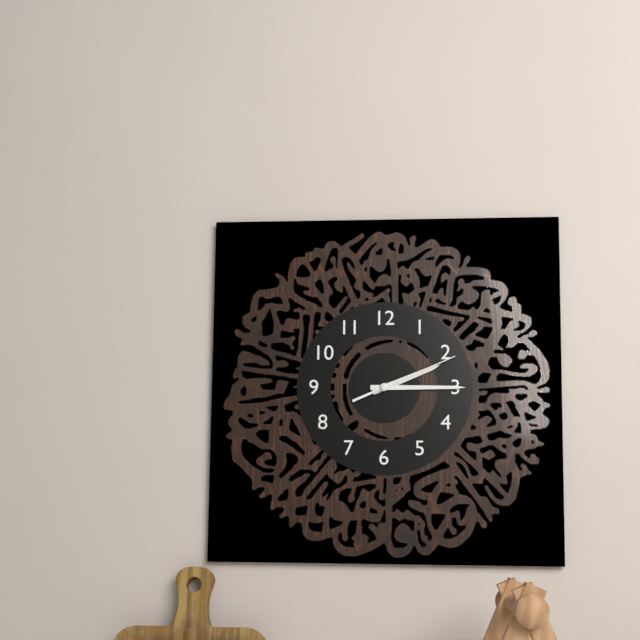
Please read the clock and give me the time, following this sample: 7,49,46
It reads 2,15,11
